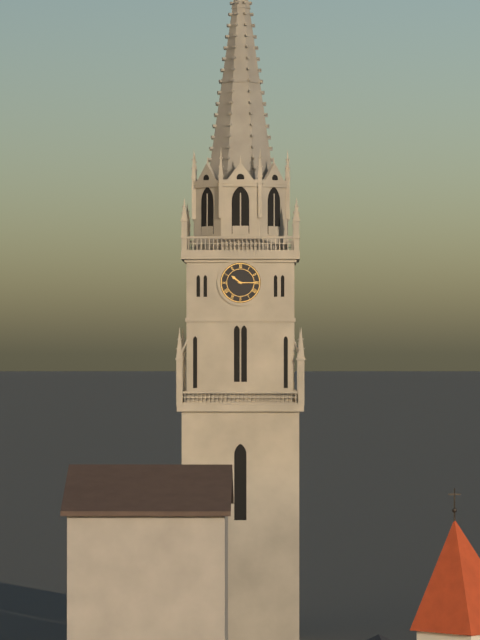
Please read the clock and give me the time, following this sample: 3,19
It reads 10,15
